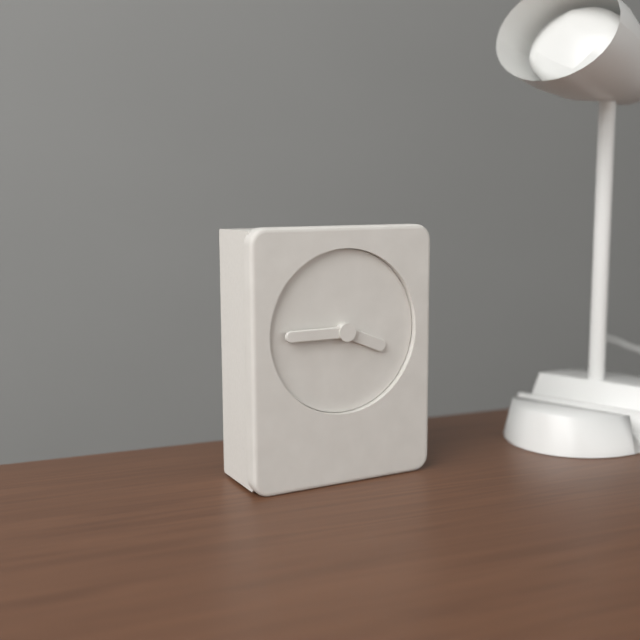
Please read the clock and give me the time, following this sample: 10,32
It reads 3,45
